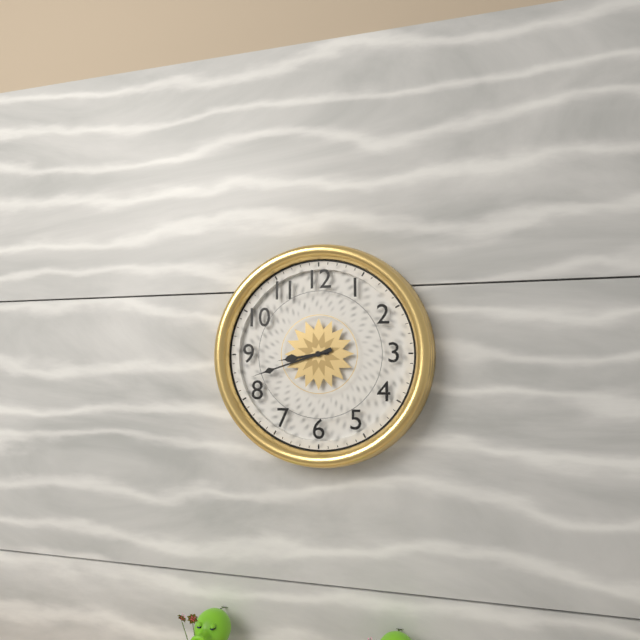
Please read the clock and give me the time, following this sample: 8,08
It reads 8,42
